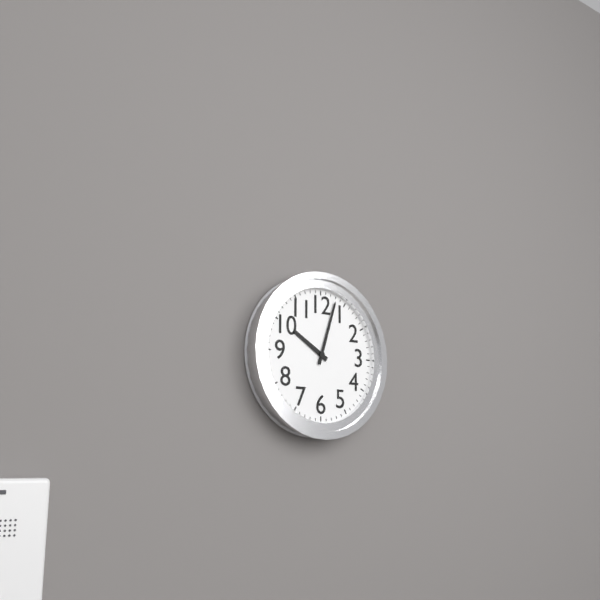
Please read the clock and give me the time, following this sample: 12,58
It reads 10,03
